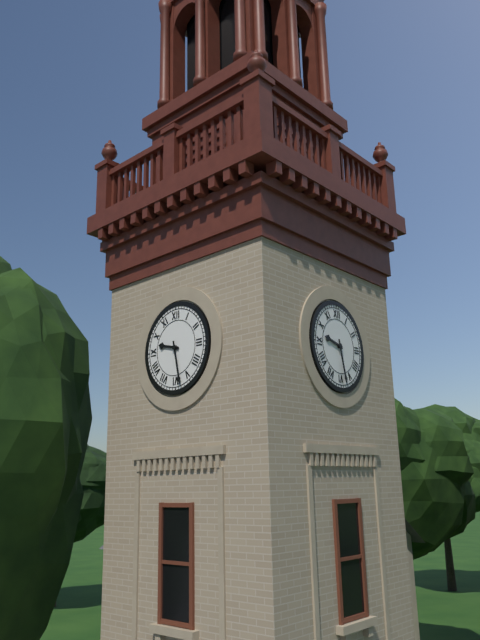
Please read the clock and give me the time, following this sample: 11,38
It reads 9,28
